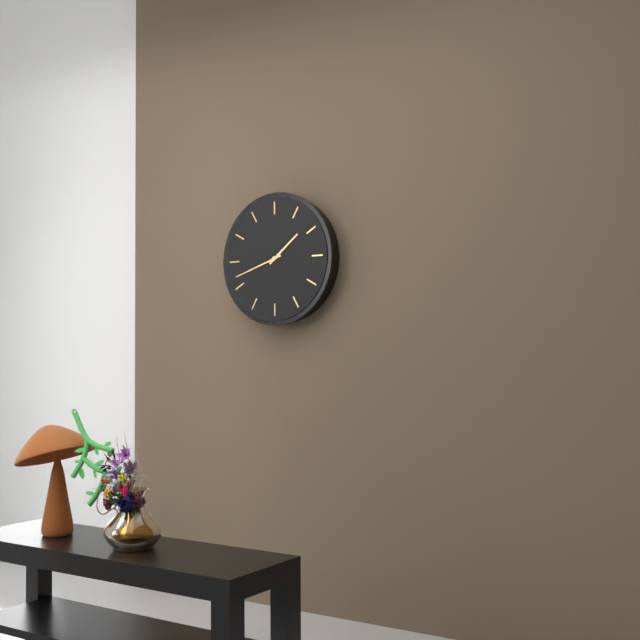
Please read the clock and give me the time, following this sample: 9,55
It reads 1,42
